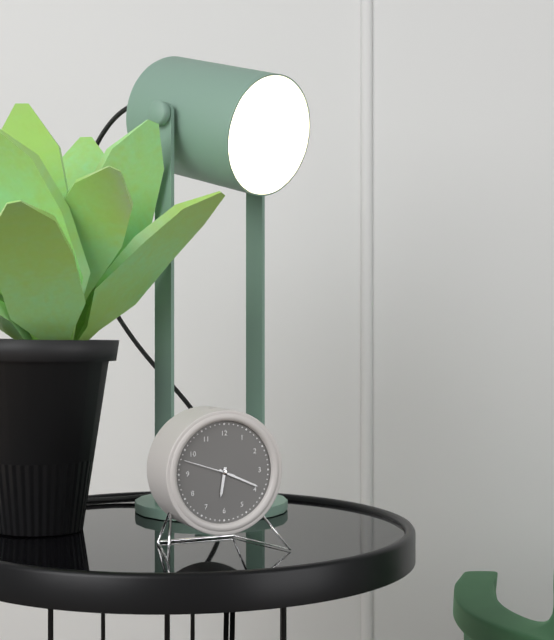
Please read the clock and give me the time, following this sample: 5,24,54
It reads 6,19,48
